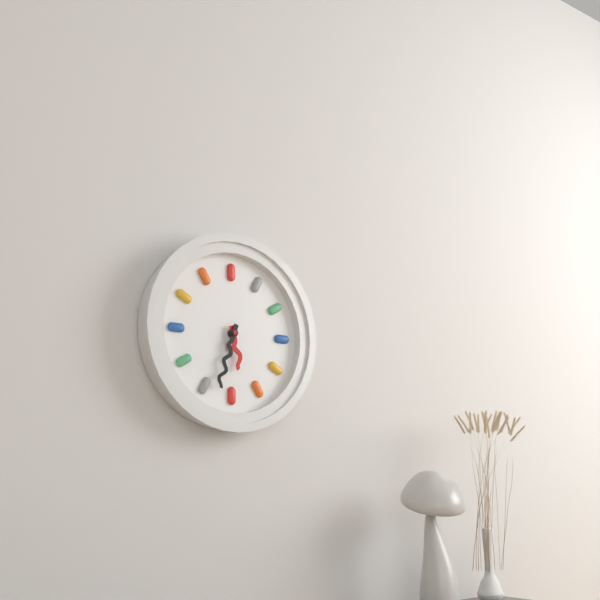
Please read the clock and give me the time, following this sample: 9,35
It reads 5,33
